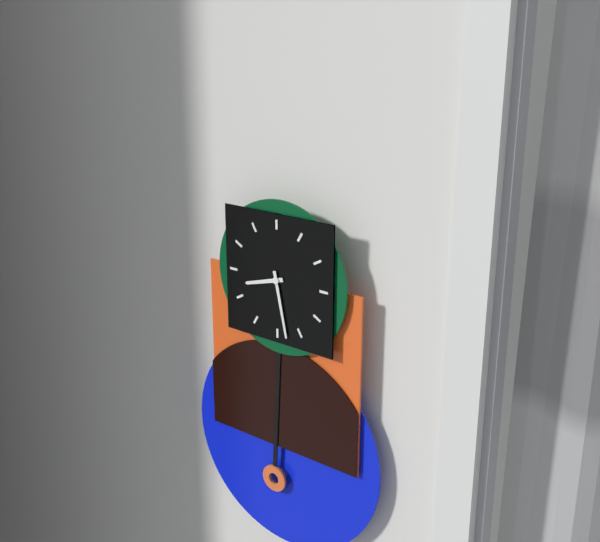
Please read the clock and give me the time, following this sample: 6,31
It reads 8,28
